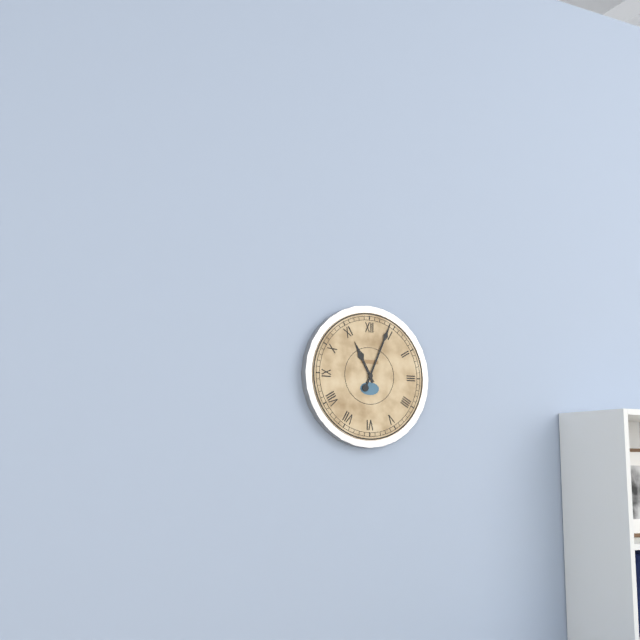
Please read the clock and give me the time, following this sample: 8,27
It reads 11,04
